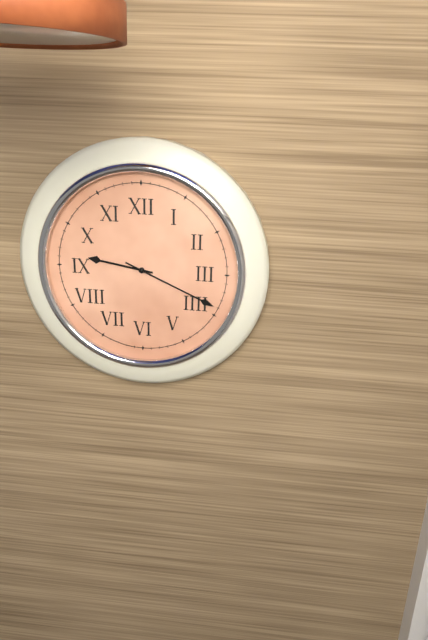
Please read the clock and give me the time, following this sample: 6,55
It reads 9,19
